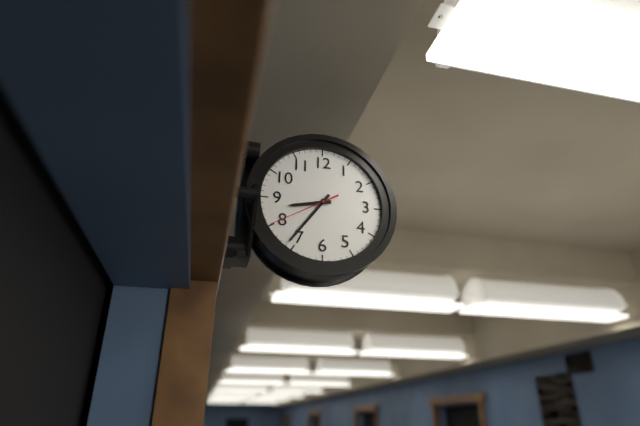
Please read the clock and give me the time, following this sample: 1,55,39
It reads 8,36,40
